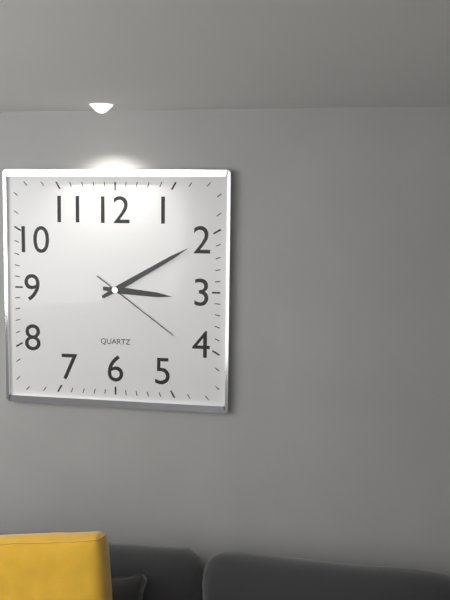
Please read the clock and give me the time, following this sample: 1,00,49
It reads 3,10,21
